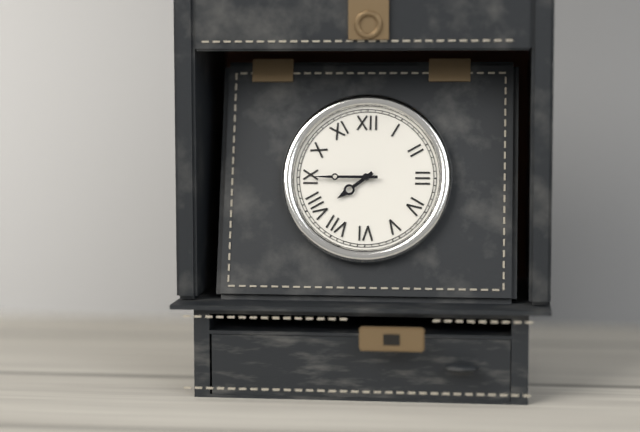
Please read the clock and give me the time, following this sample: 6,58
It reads 7,45
